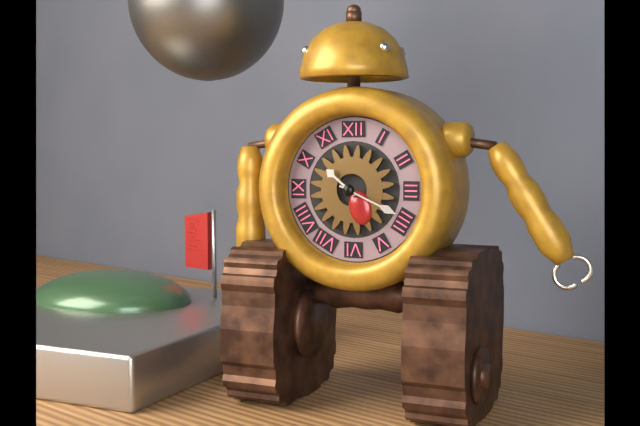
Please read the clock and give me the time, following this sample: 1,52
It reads 10,19
